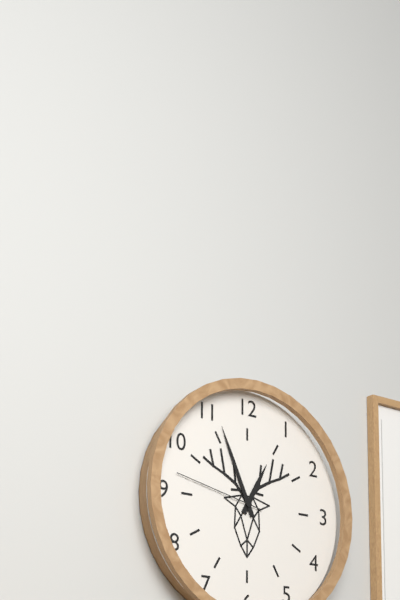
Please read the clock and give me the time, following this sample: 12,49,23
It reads 12,56,47
